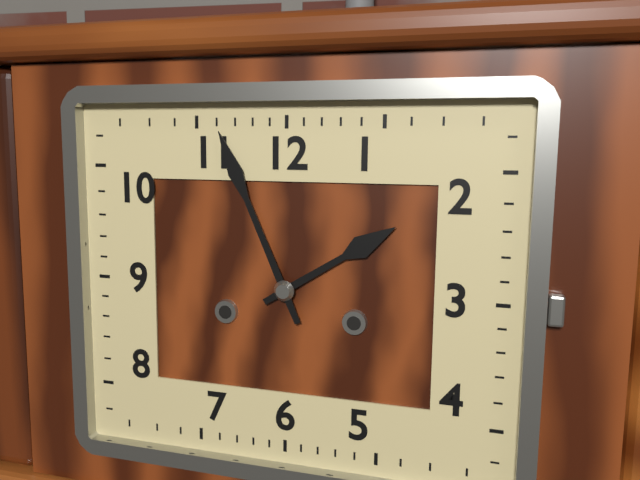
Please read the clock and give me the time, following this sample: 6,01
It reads 1,56
